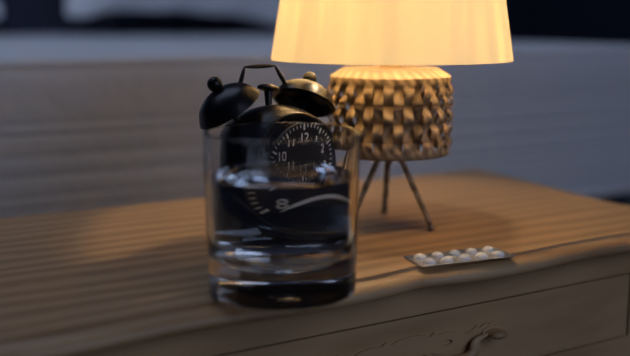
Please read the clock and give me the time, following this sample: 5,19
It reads 6,39
